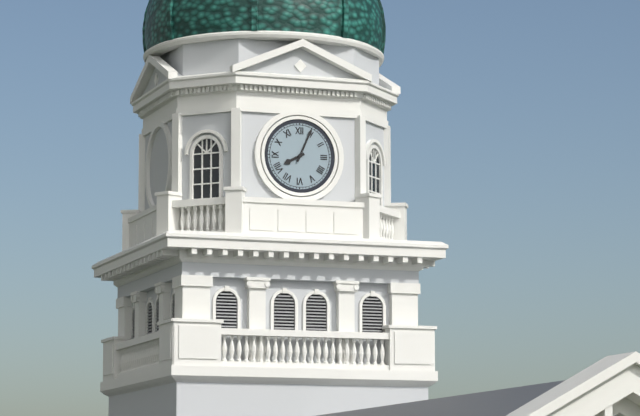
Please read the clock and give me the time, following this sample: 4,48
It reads 8,04
